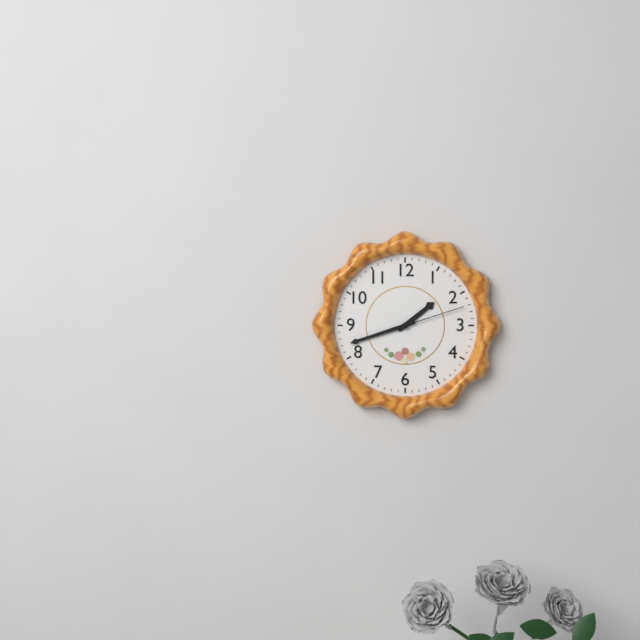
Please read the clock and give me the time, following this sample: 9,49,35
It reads 1,42,12
